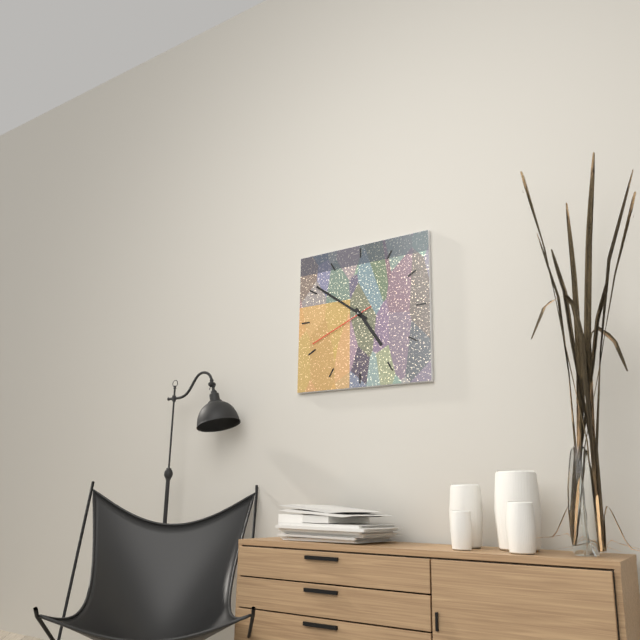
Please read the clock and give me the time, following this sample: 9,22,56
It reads 4,51,41
